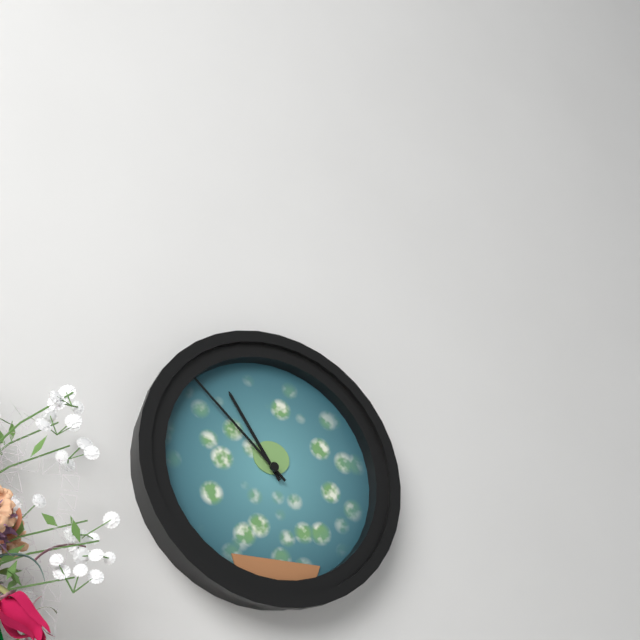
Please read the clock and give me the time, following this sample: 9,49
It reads 10,52
